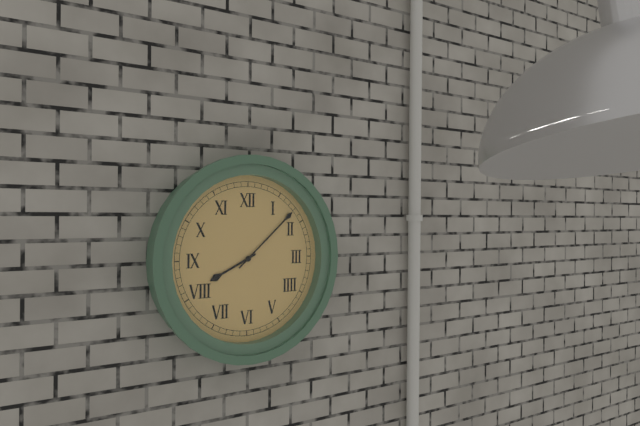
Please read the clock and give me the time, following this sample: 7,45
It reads 8,08
